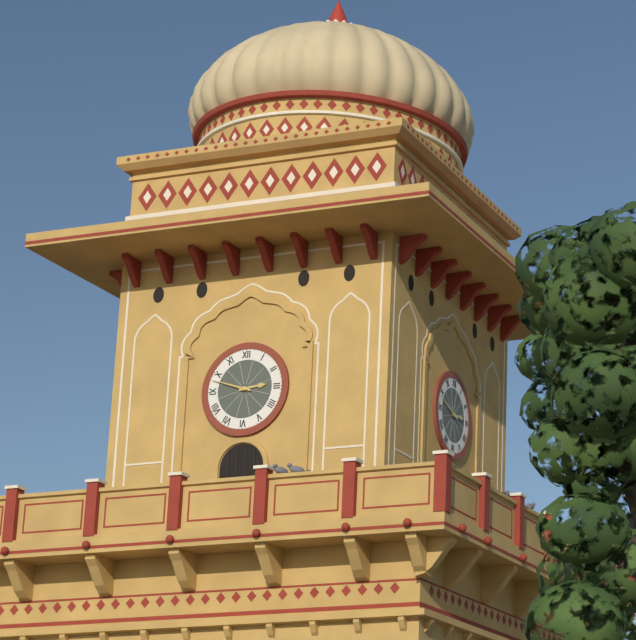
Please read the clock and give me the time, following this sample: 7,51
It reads 2,48
